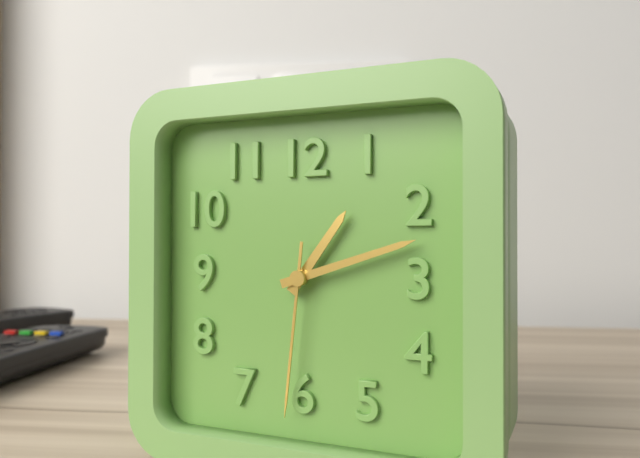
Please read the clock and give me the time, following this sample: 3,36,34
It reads 1,12,31
